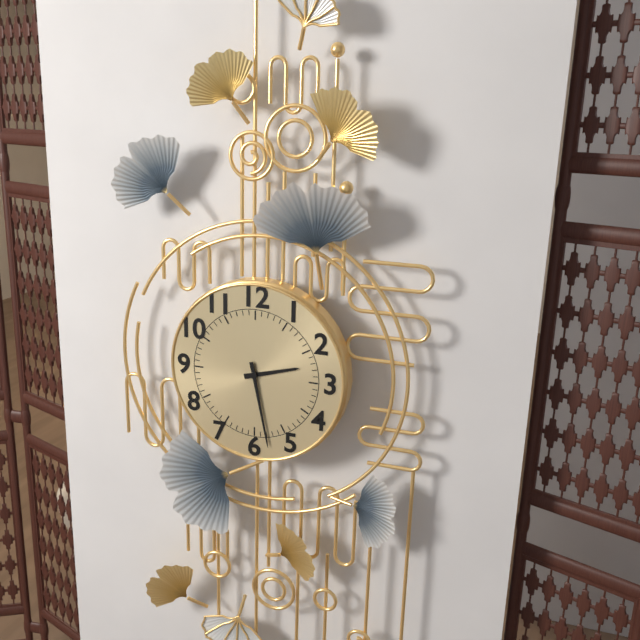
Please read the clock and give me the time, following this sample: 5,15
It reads 2,28
